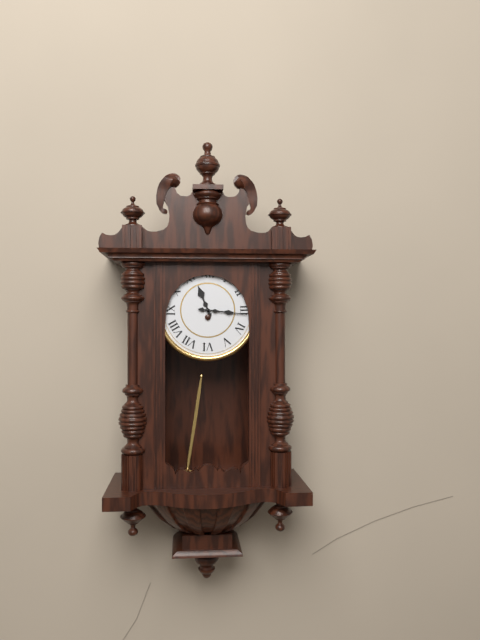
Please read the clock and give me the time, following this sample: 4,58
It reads 11,16
